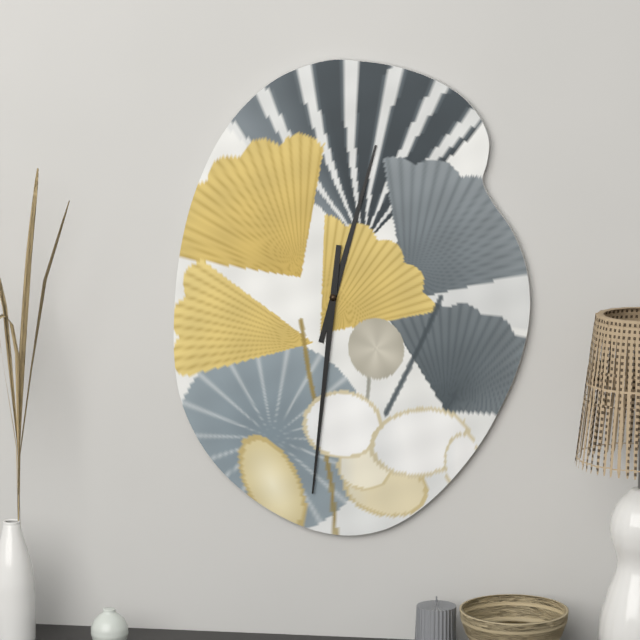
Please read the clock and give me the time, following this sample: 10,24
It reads 12,31
